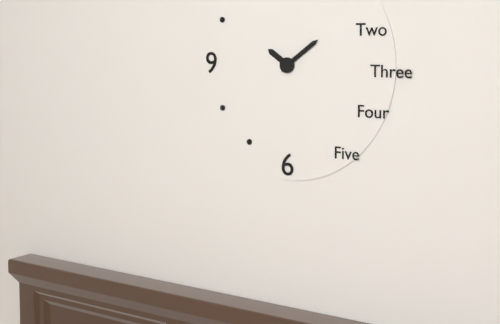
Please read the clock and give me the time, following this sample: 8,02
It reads 10,09
